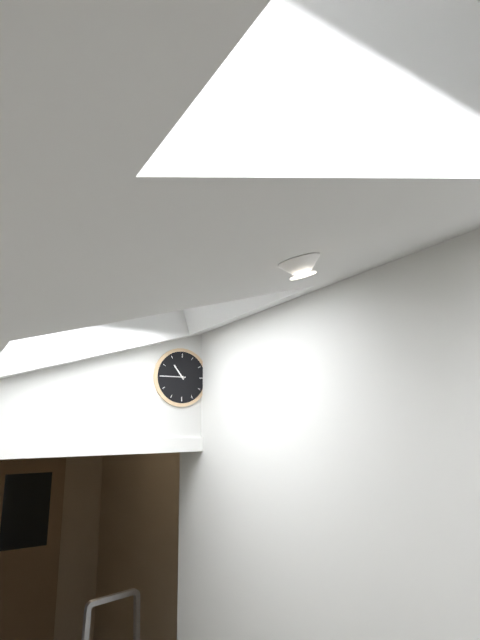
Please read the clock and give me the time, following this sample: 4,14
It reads 10,45
